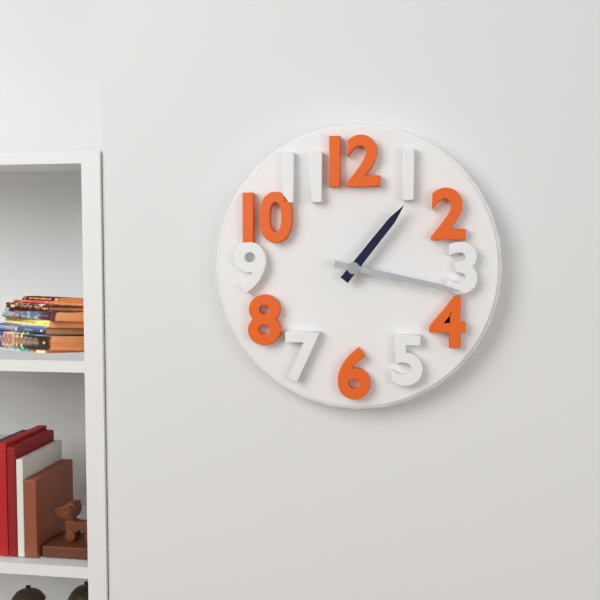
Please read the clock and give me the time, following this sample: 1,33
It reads 1,17
